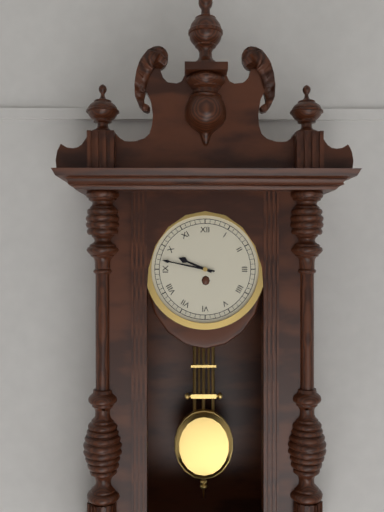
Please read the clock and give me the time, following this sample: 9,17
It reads 9,47
